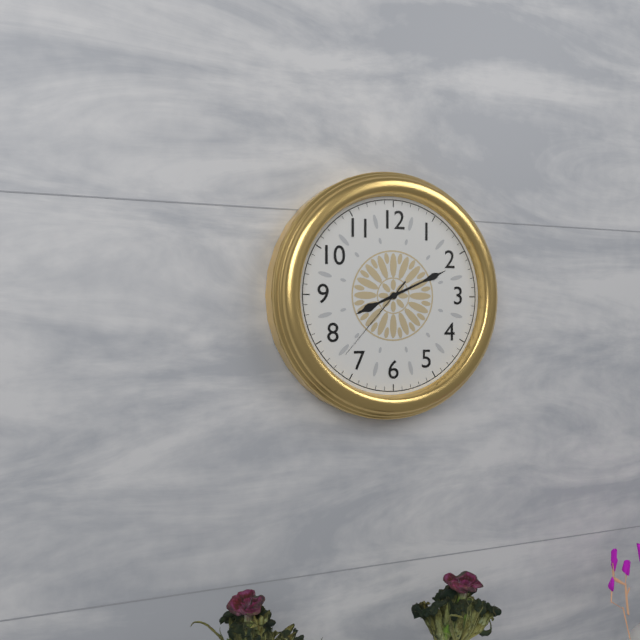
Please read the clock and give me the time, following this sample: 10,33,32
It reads 8,11,37
